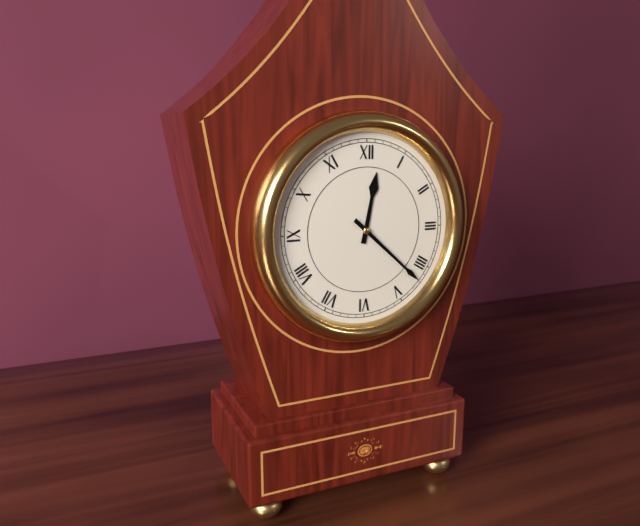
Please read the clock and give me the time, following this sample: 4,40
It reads 12,22
